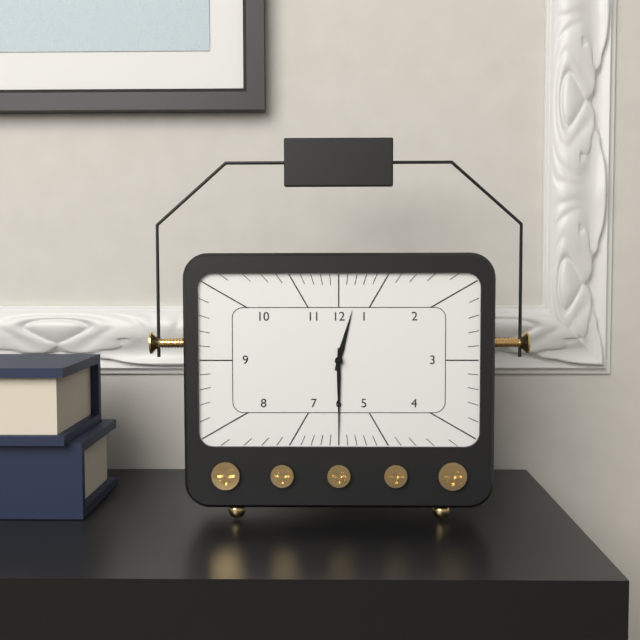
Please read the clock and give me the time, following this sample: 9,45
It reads 12,30
